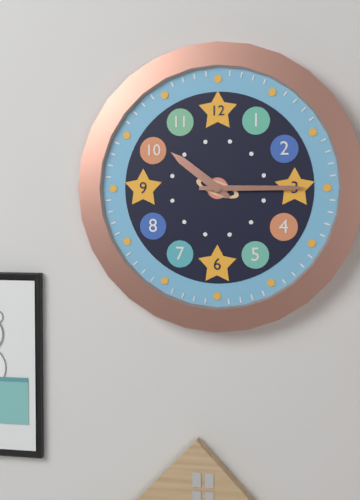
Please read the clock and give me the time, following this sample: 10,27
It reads 10,15
